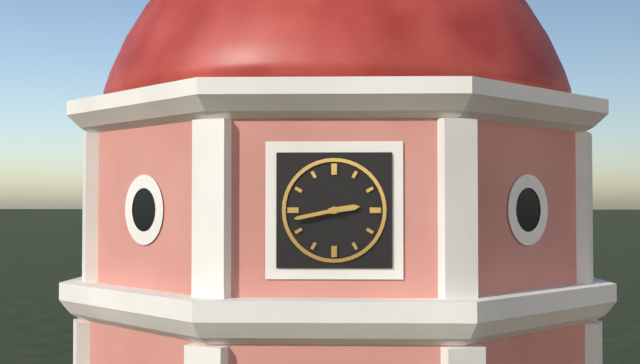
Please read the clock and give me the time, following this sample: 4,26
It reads 2,43
